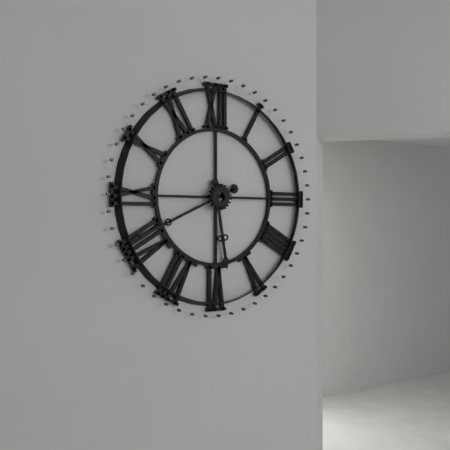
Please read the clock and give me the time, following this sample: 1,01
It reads 5,41
